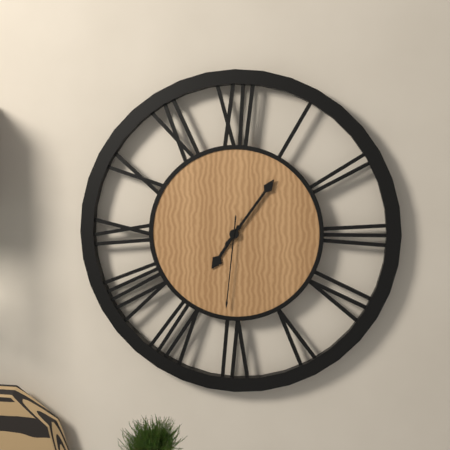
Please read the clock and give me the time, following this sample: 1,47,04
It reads 7,06,31
